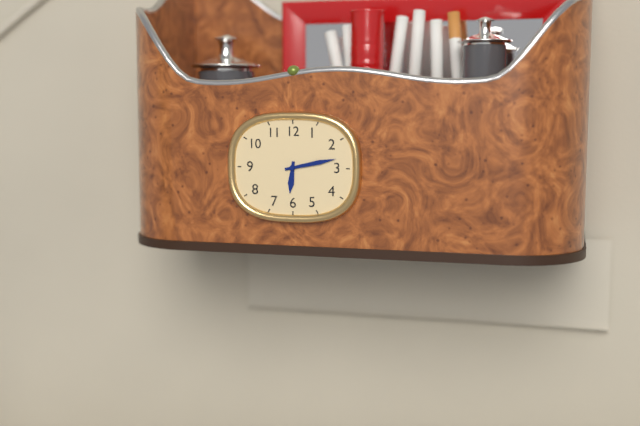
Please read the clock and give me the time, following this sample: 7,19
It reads 6,13
